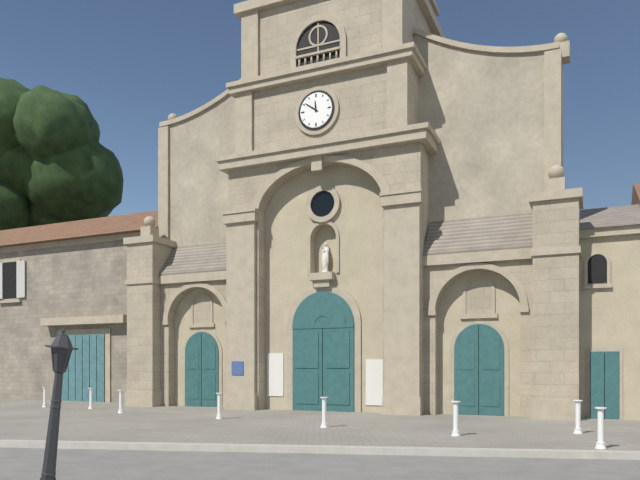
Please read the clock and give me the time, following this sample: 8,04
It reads 11,51
